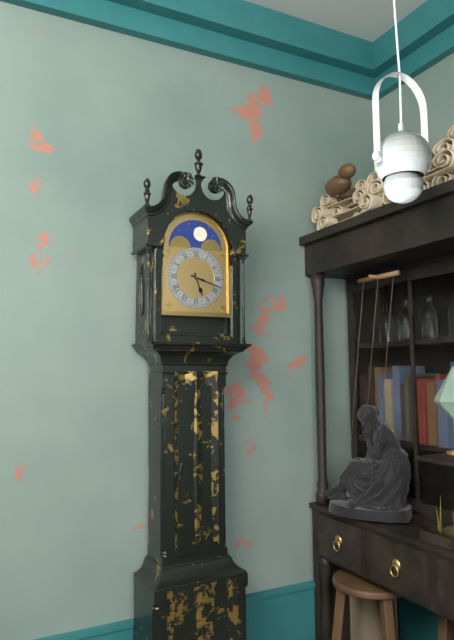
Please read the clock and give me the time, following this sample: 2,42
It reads 5,18
